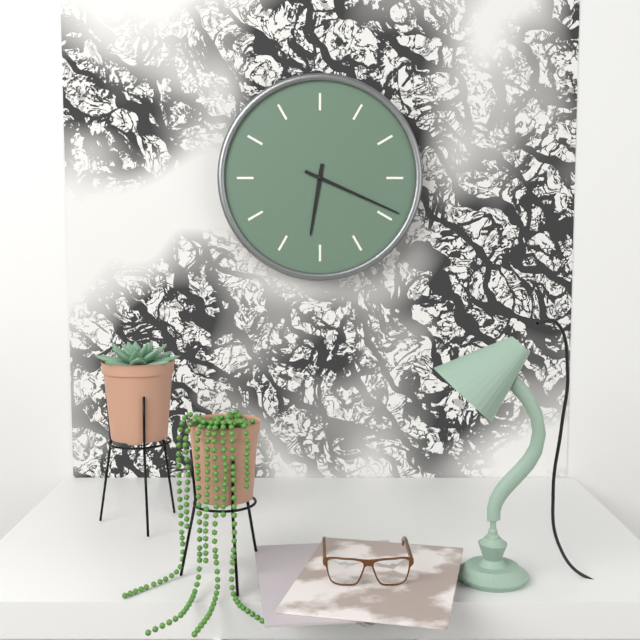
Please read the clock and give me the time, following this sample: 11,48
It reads 6,19
